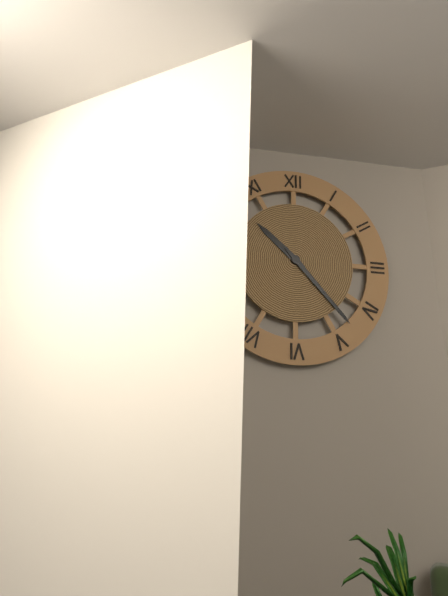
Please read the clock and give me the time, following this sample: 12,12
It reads 10,23
